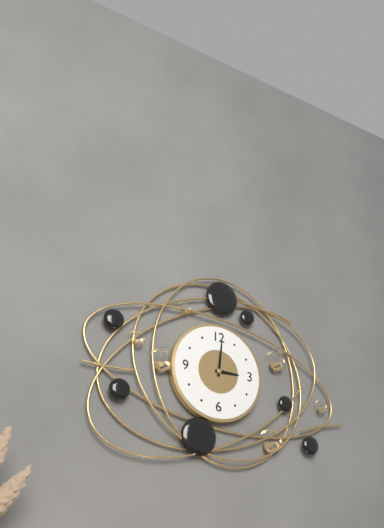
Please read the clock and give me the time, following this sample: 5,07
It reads 3,01
